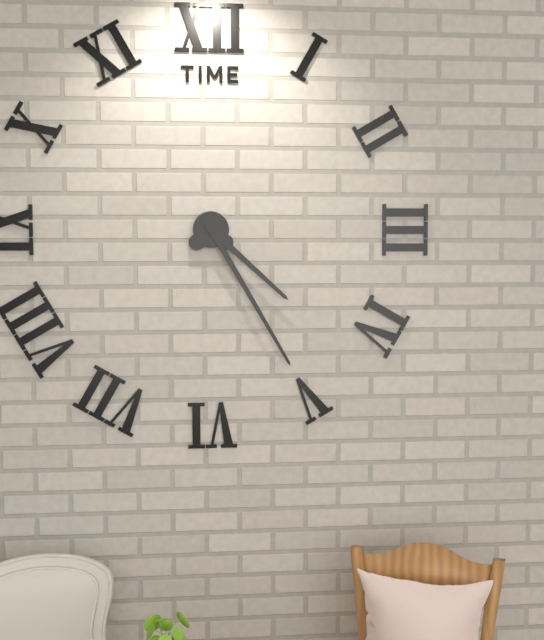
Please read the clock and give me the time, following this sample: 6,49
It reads 4,25
